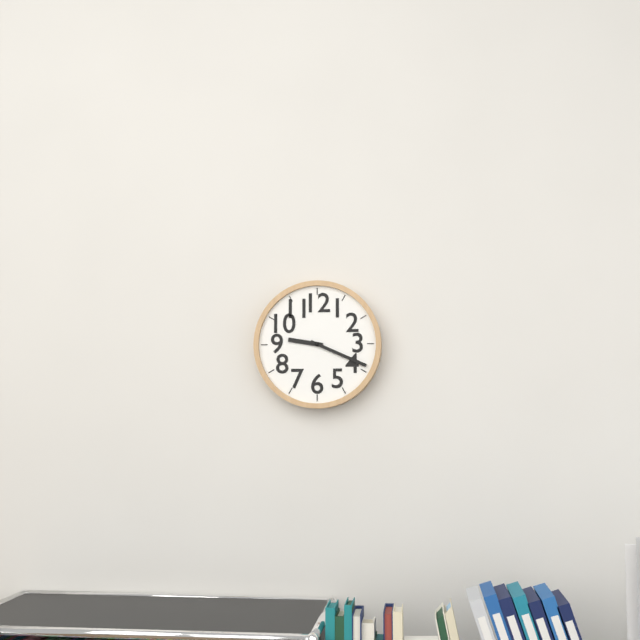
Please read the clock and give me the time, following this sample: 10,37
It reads 9,19
